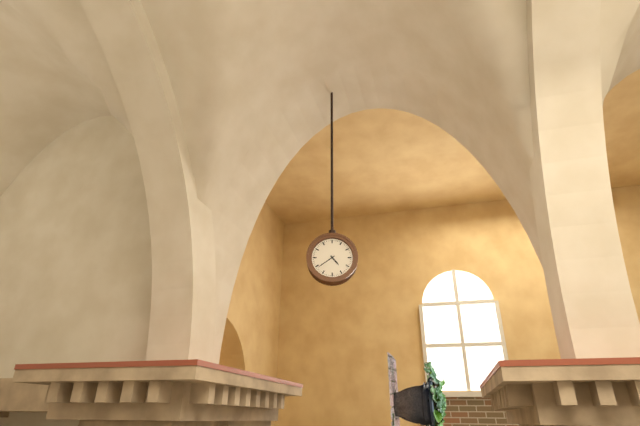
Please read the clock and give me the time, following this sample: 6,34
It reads 4,39
